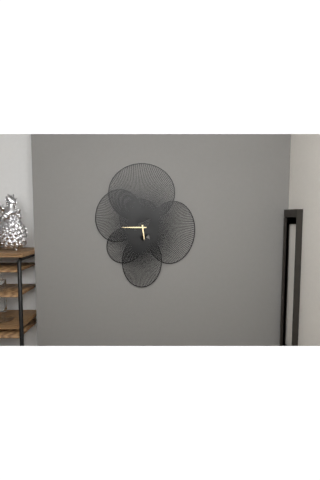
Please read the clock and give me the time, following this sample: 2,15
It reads 5,45
